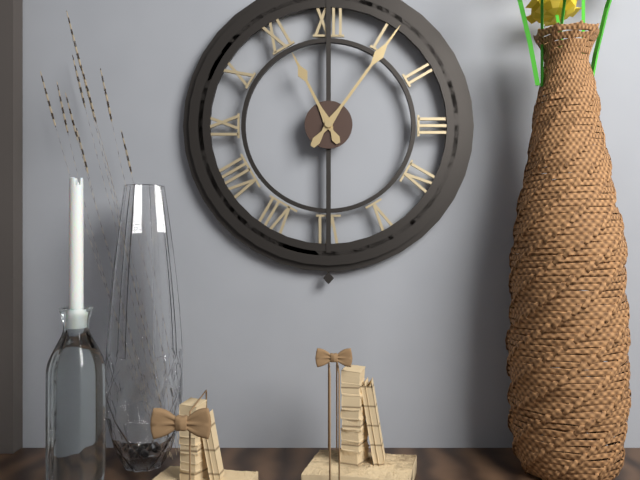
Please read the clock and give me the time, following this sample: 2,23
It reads 11,06
